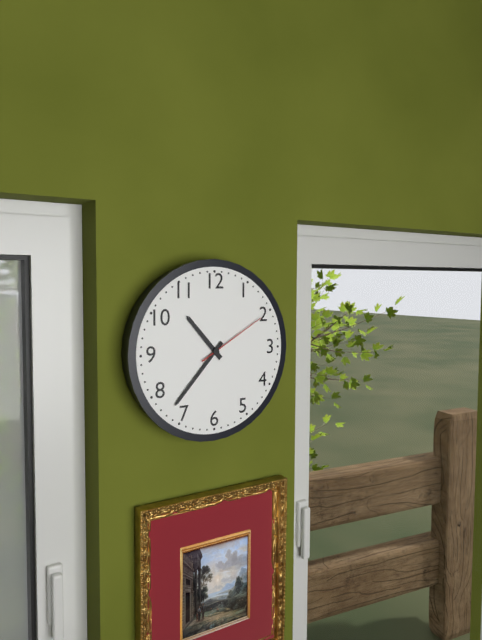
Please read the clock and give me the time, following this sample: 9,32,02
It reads 10,37,10
